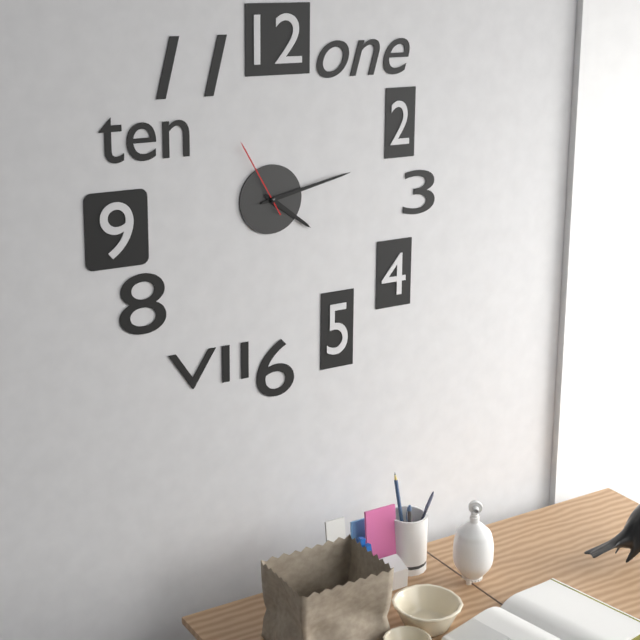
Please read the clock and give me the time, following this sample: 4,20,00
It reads 4,13,55
